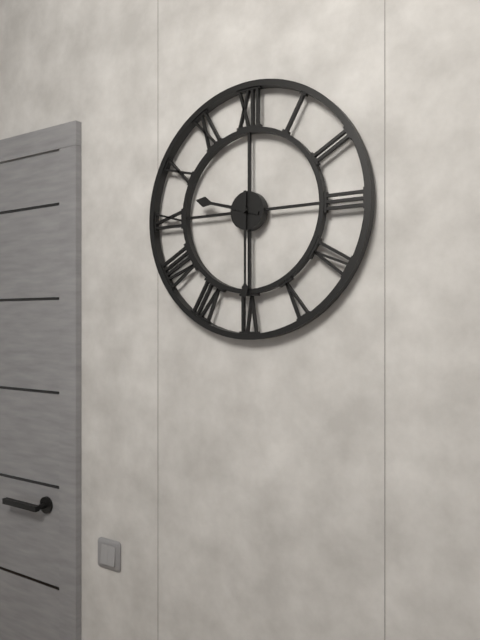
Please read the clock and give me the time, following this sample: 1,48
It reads 9,30
